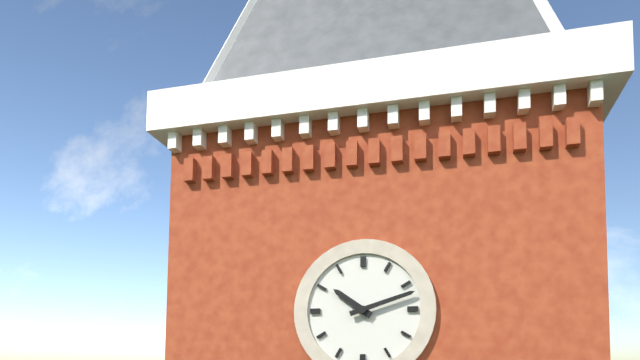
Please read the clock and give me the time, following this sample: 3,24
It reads 10,12
